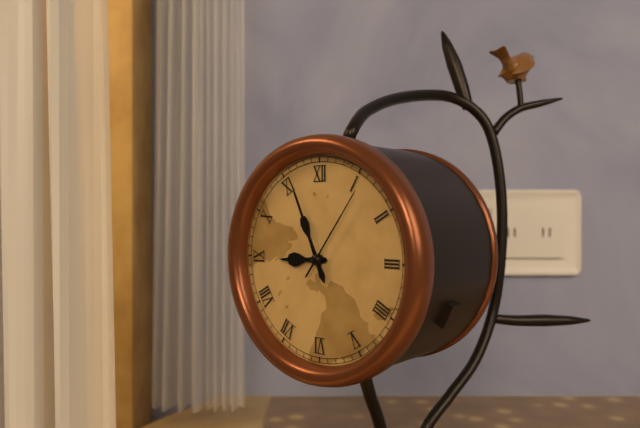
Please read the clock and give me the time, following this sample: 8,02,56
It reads 8,56,06
